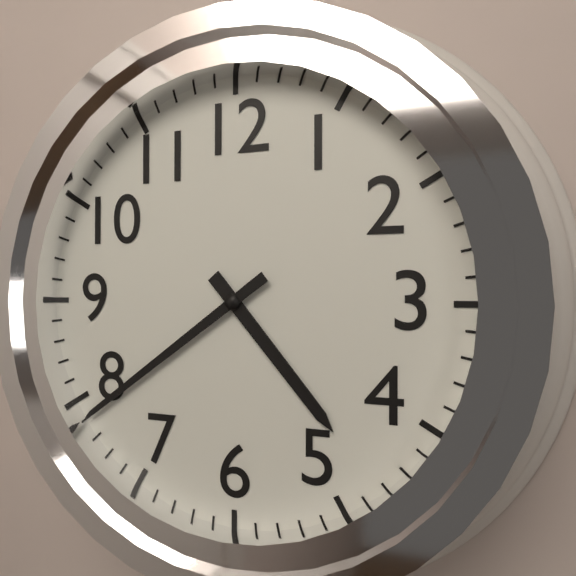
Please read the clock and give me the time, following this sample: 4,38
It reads 4,39
